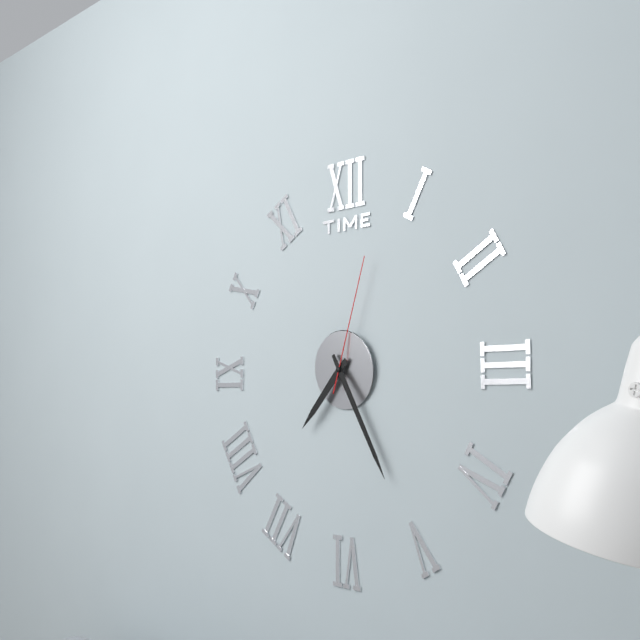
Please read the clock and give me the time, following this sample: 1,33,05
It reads 7,25,03
